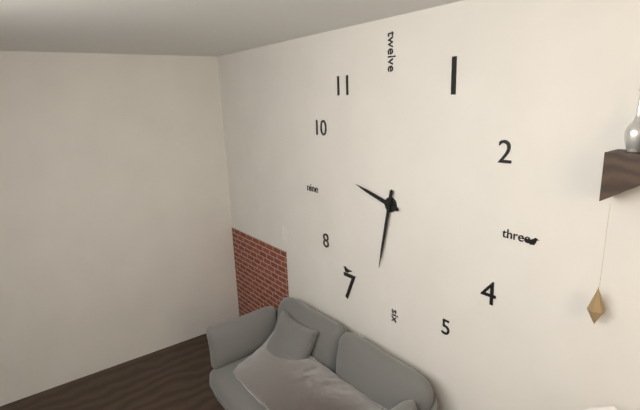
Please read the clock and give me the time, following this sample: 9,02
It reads 9,32
